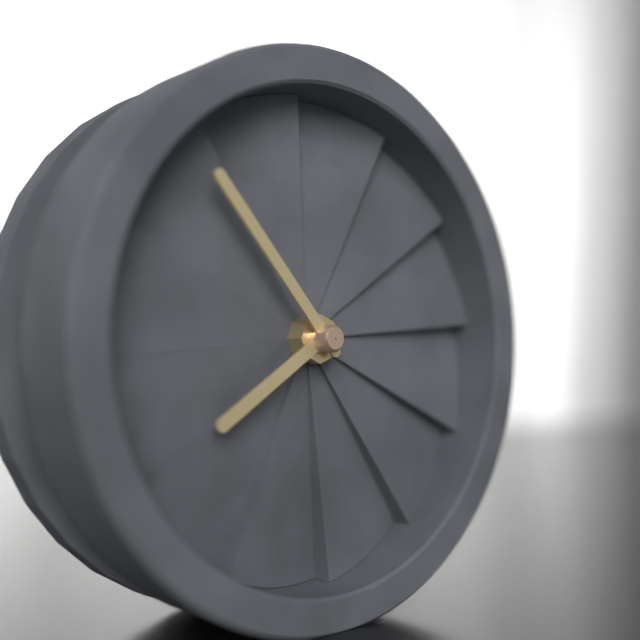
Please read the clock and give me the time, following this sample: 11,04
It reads 7,53
